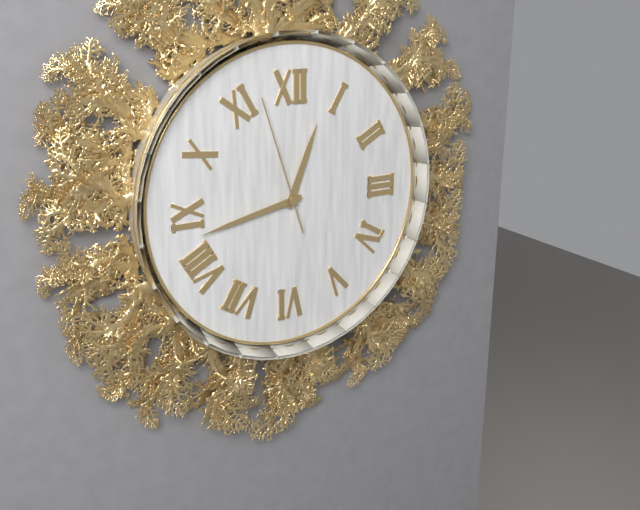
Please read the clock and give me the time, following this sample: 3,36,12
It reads 12,43,57
